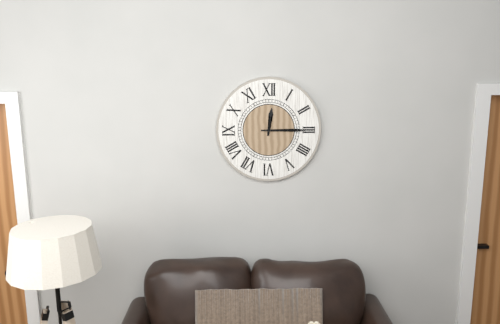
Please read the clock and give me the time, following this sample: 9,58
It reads 12,15
